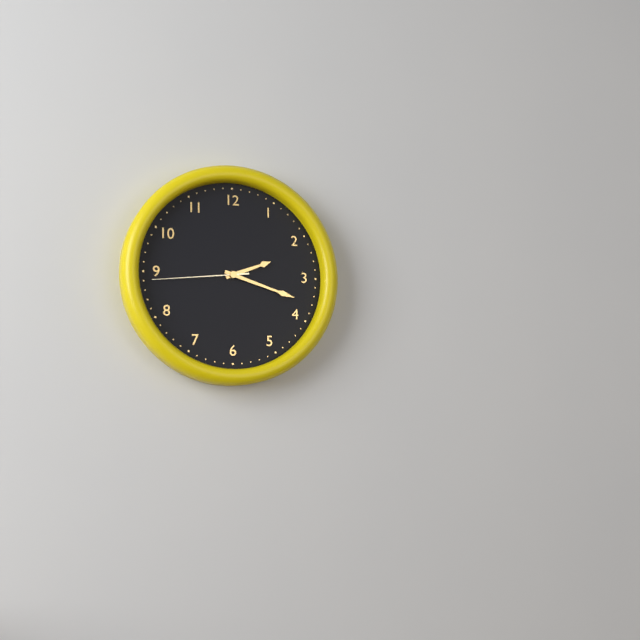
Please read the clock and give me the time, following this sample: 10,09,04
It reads 2,18,44
